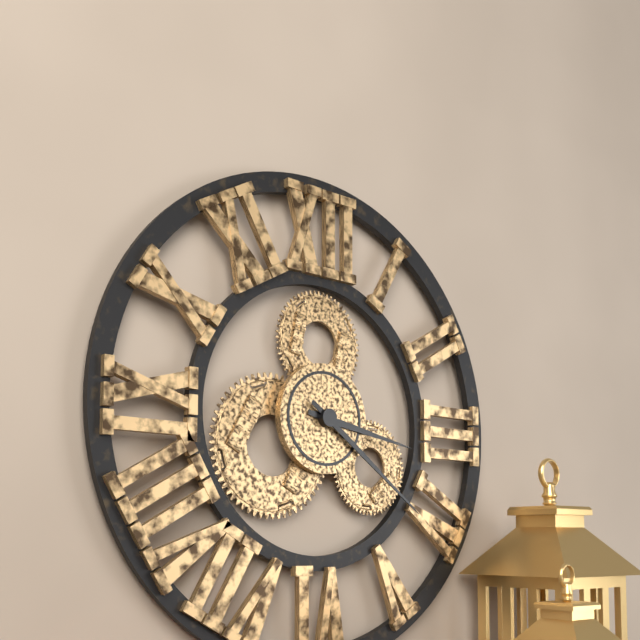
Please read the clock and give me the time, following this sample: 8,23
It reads 3,21
